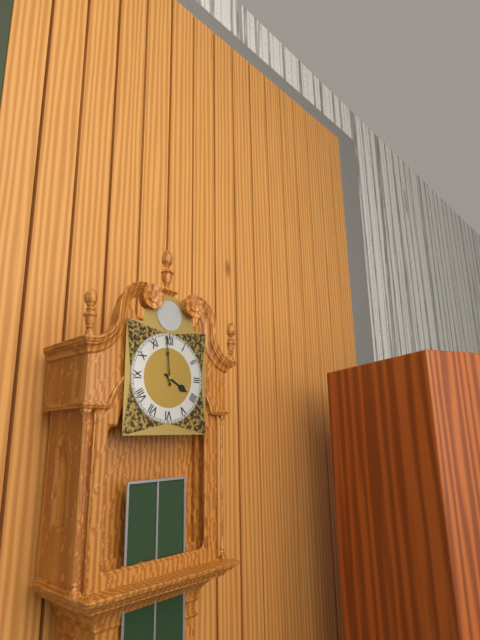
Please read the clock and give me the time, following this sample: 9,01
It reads 3,59
